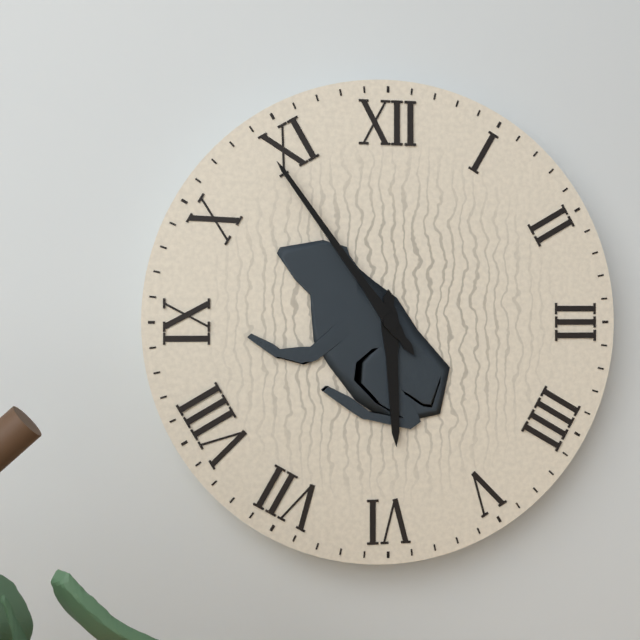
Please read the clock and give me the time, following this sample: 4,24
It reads 5,54
